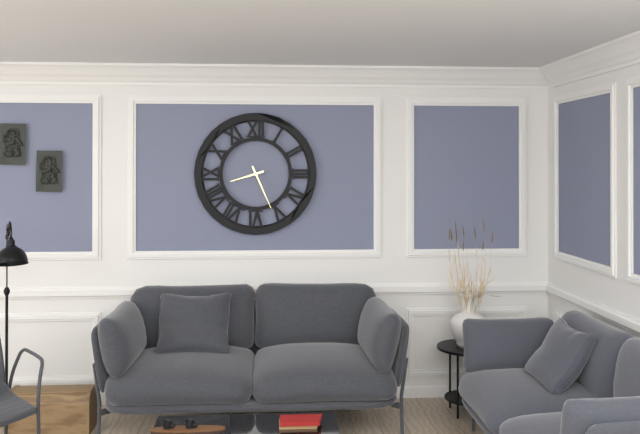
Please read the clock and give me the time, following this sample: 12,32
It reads 8,26
